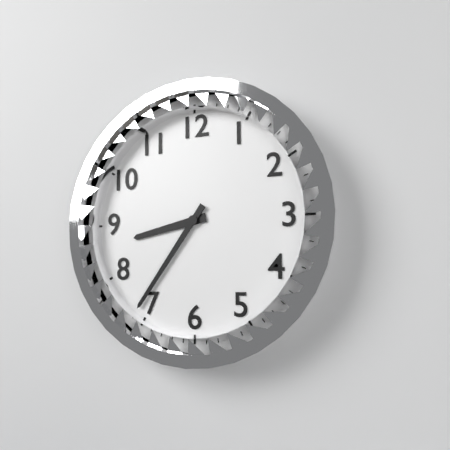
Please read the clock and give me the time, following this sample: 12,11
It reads 8,36
